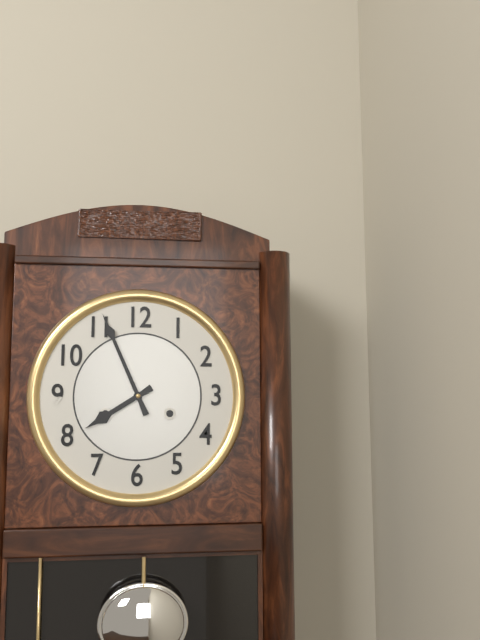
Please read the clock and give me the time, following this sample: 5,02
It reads 7,56
